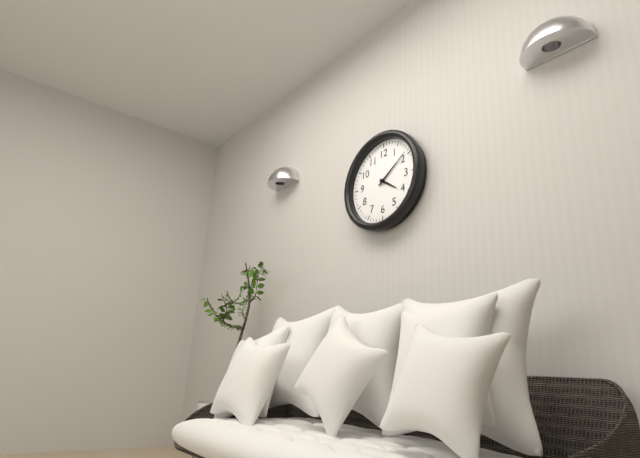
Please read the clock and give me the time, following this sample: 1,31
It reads 4,09
